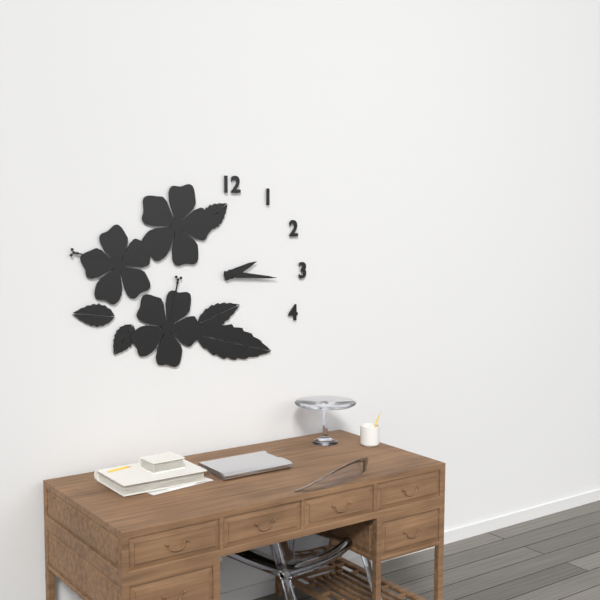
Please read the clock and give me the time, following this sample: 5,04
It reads 2,16
